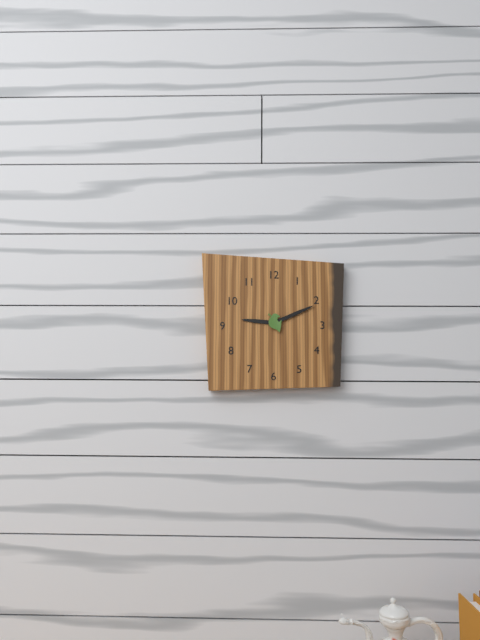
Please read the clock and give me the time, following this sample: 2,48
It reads 9,11
